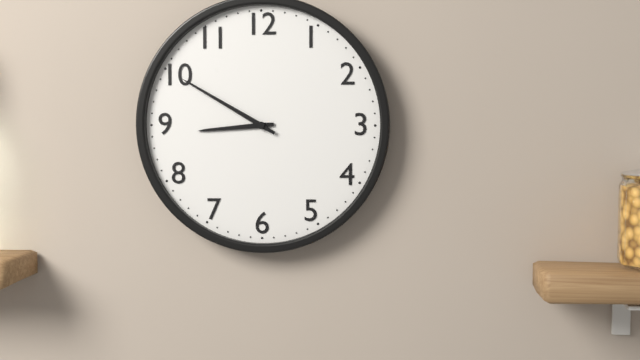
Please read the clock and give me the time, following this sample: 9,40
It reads 8,50
